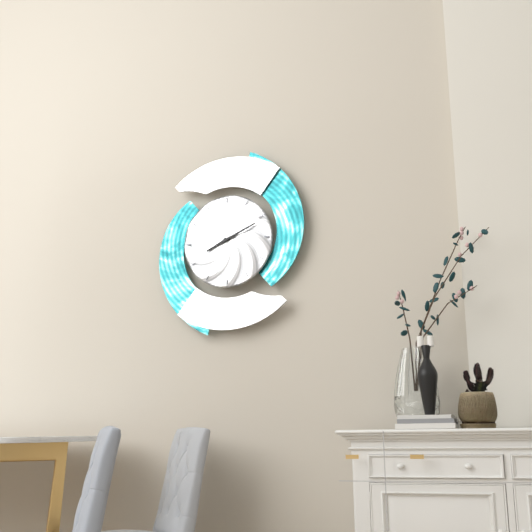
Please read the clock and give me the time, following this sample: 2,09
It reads 8,11
